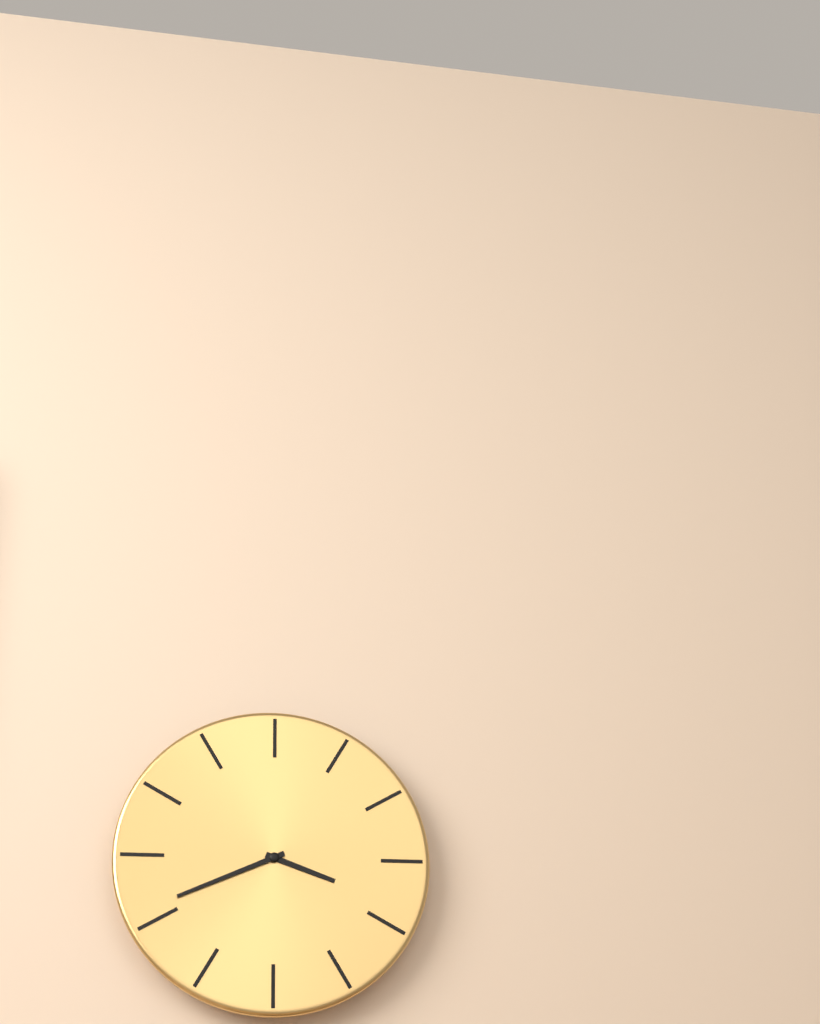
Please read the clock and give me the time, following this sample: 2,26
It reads 3,41
